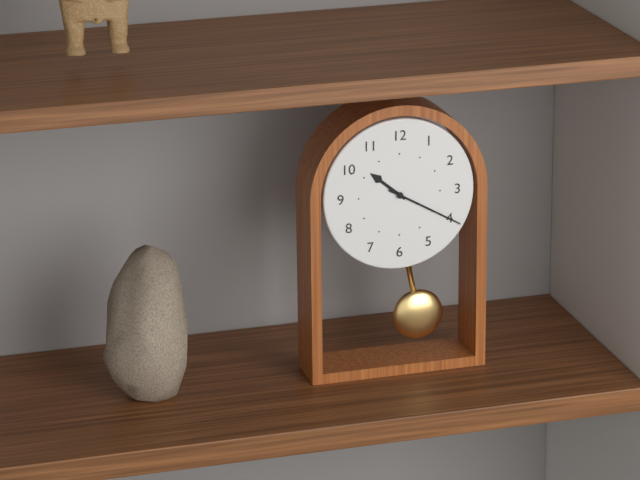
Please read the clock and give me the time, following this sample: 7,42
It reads 10,20
